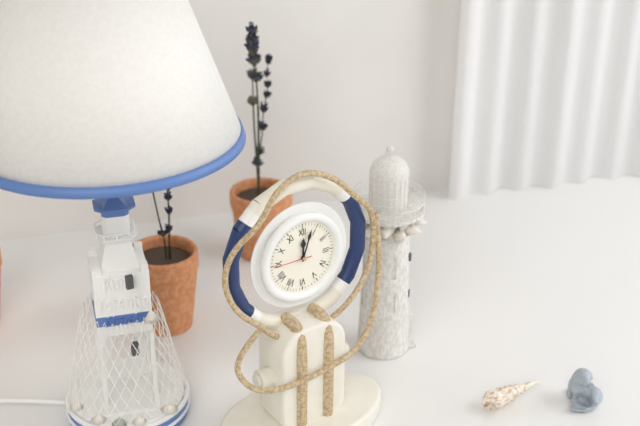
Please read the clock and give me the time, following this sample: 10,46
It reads 12,03
